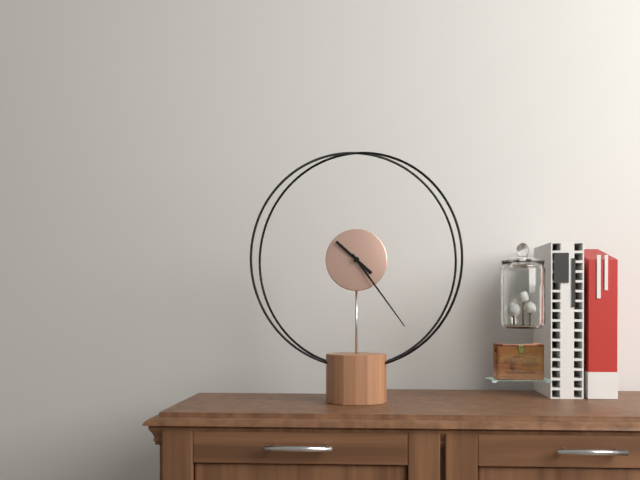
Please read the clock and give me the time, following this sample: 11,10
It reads 10,24
